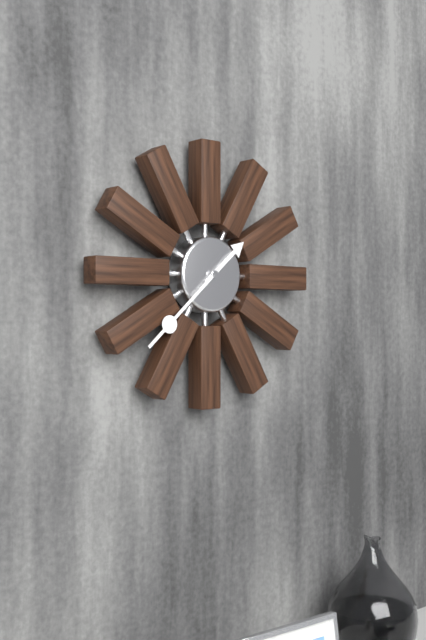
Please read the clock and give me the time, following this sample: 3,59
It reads 1,38
